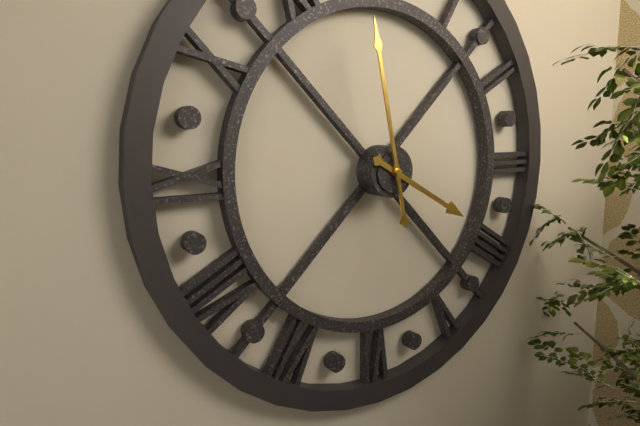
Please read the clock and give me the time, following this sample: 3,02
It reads 3,58
